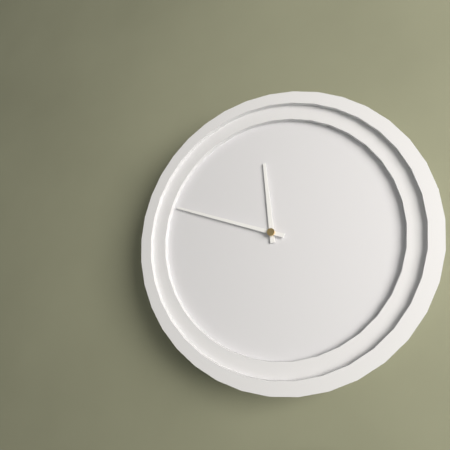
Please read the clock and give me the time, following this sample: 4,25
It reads 11,48
